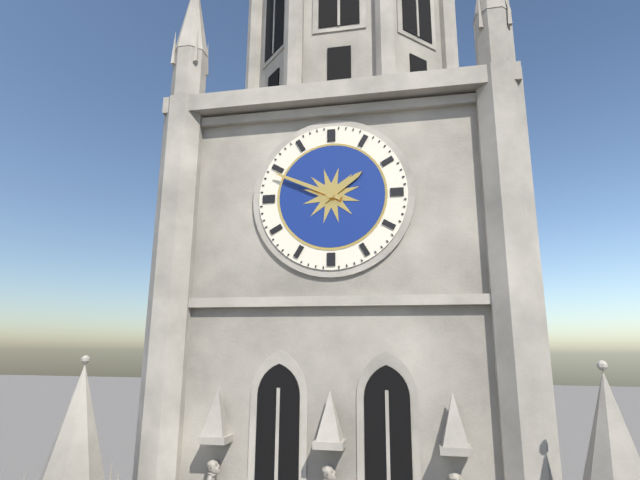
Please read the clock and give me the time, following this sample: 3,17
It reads 1,49
